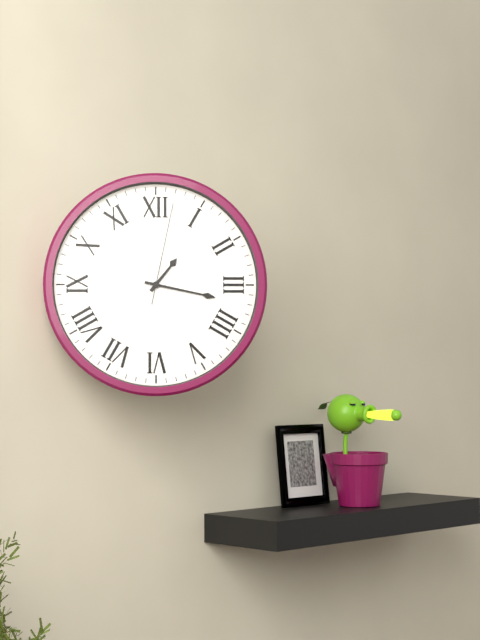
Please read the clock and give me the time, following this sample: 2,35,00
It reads 1,17,02
